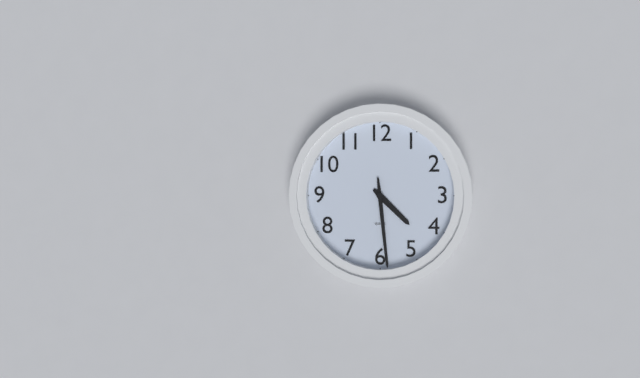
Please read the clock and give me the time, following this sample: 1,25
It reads 4,29
